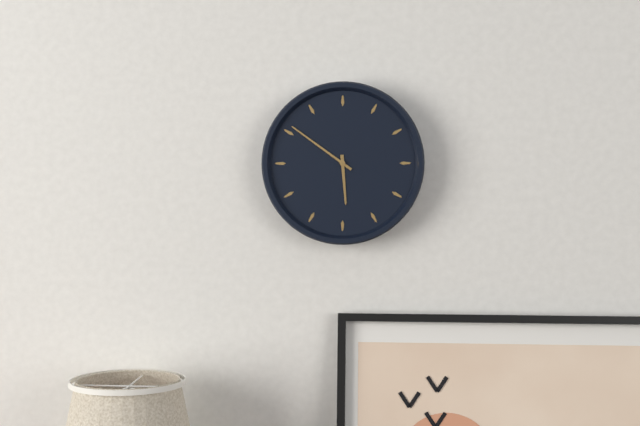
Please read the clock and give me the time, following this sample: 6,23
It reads 5,51
